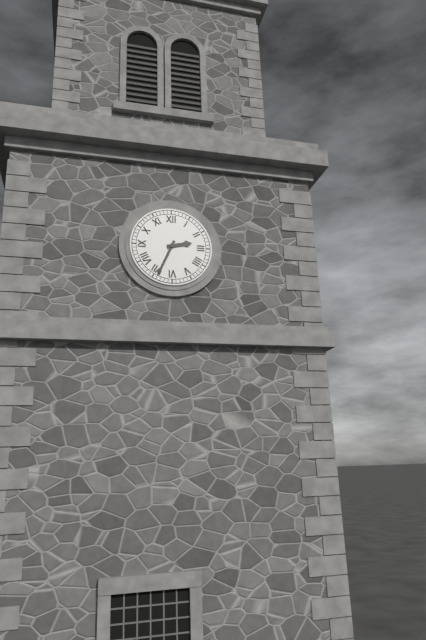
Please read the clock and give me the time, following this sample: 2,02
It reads 2,34
